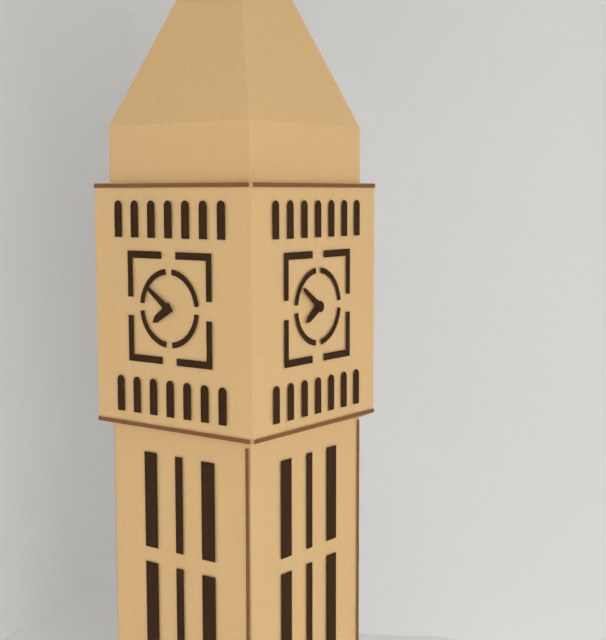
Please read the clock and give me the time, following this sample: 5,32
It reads 7,51
